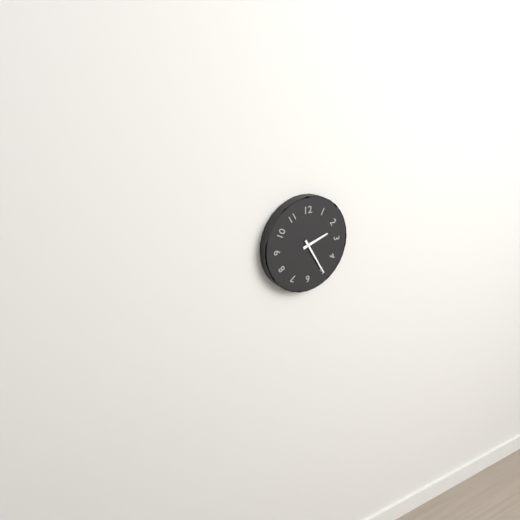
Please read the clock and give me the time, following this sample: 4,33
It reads 2,25
